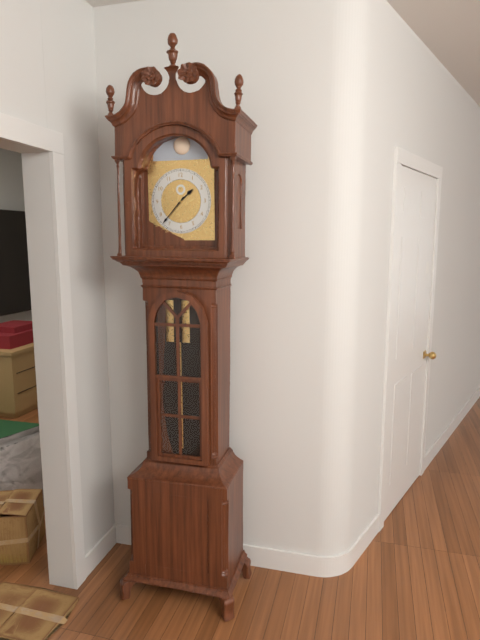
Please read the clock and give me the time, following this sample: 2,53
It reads 1,37
